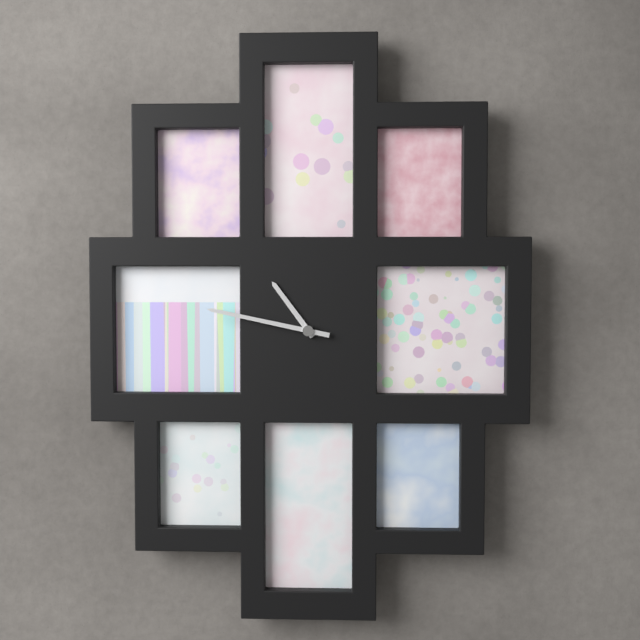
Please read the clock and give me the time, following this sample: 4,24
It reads 10,47
